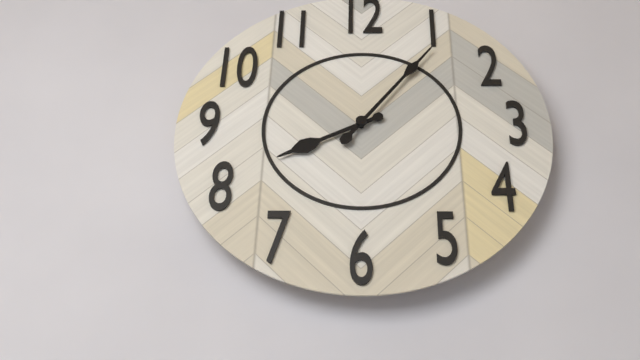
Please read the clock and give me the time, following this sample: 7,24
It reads 8,06
